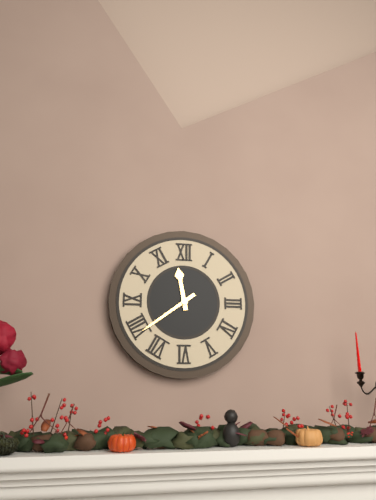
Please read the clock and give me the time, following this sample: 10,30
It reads 11,39
